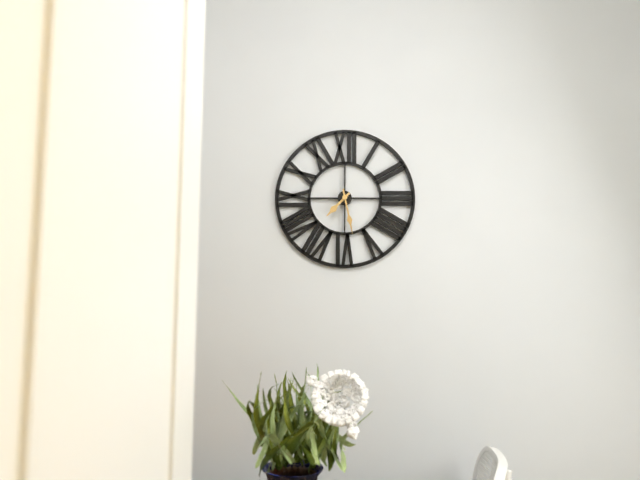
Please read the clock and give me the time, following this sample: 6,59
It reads 7,28
